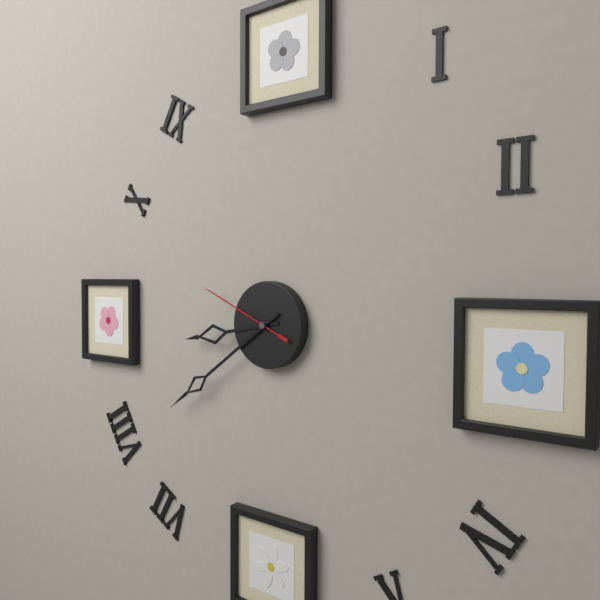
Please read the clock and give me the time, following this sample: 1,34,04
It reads 8,39,49
